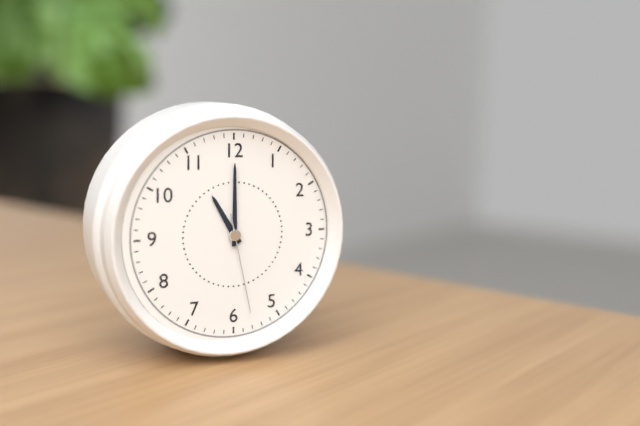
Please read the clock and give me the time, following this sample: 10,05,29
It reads 11,00,28
